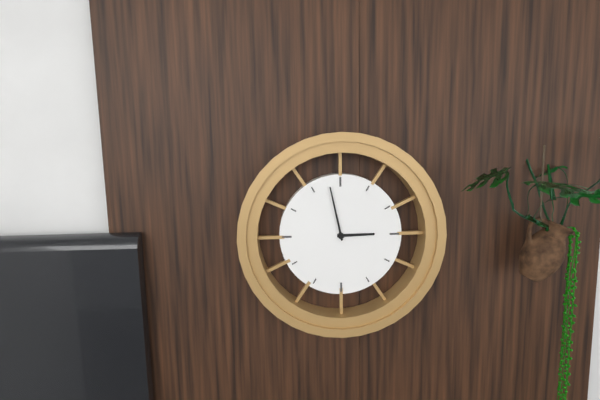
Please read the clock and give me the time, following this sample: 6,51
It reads 2,58
